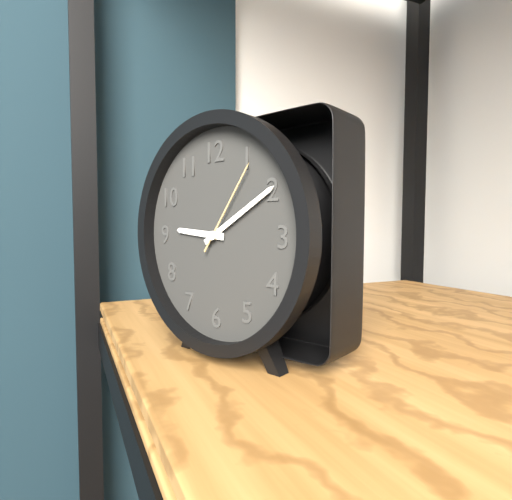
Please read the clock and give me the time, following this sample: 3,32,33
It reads 9,10,06
